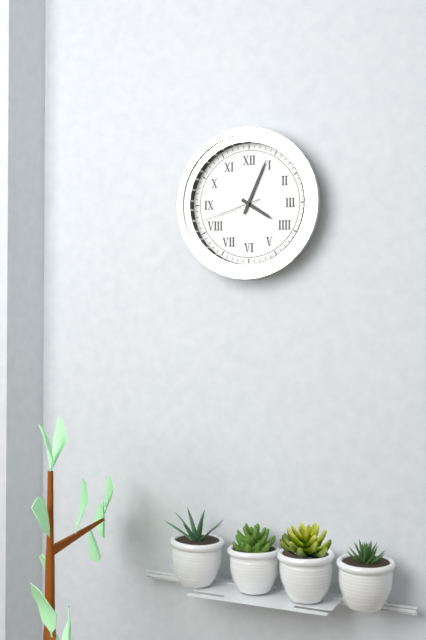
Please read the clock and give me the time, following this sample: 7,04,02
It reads 4,04,42
